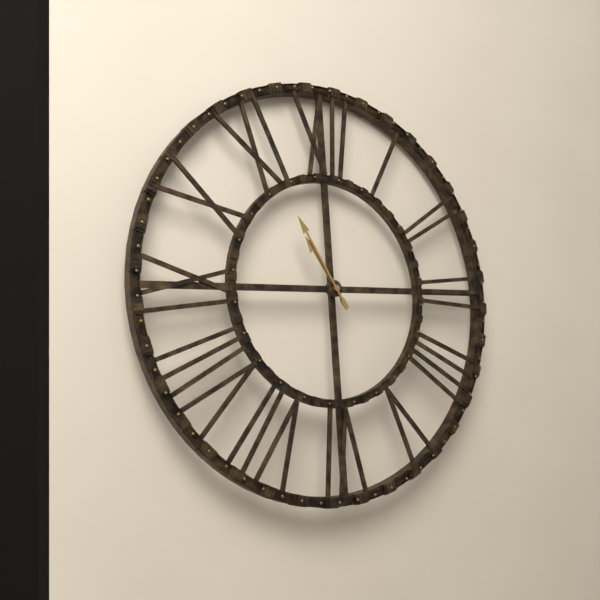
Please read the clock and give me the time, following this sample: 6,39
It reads 10,55
